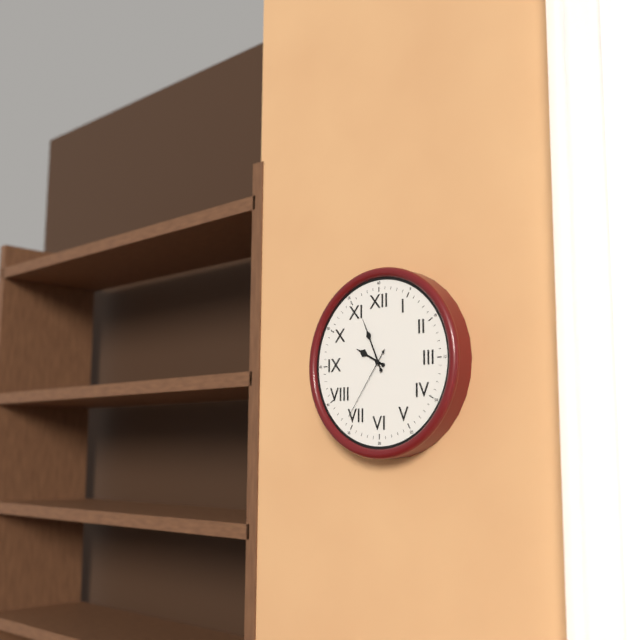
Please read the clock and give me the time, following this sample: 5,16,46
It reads 9,56,36
